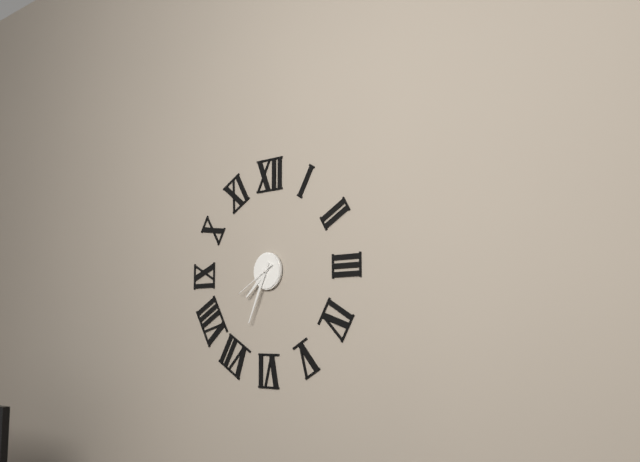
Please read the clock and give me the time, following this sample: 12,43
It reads 7,34
